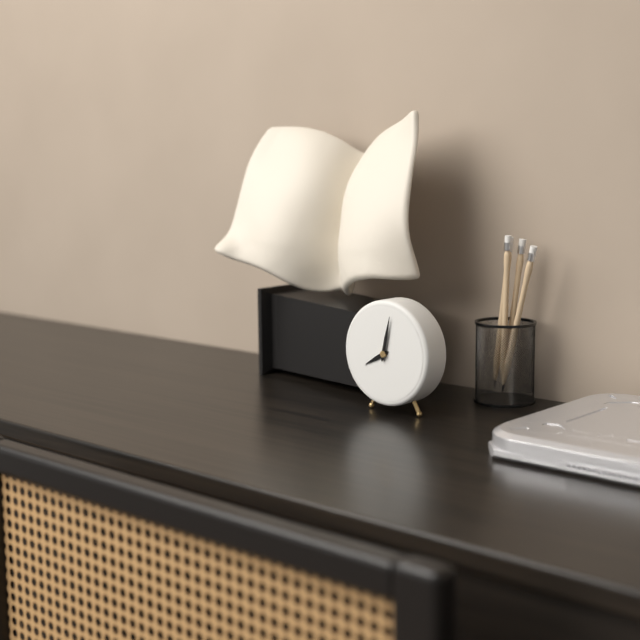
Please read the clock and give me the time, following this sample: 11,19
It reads 8,02
